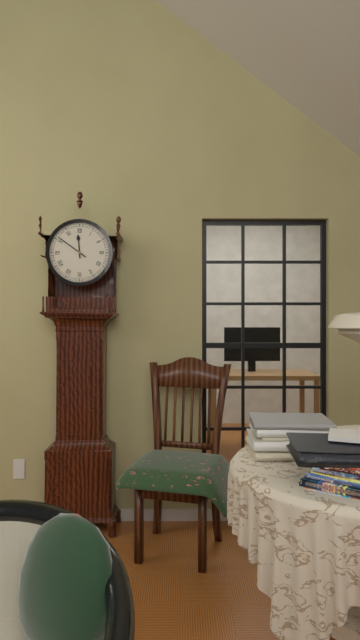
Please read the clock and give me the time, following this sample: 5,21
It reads 11,51
